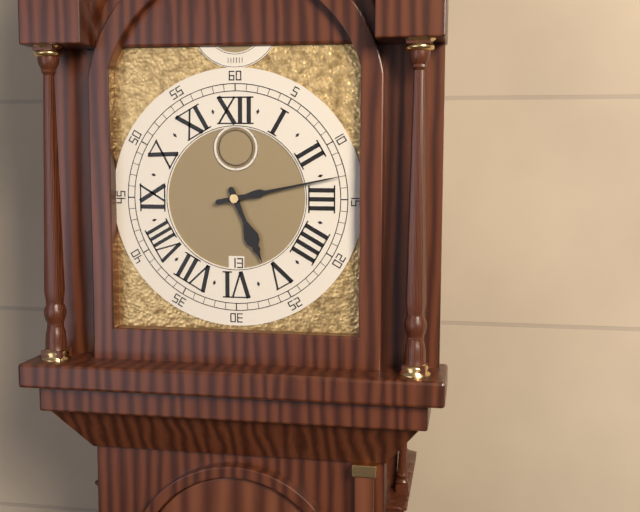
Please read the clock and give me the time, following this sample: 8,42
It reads 5,13
